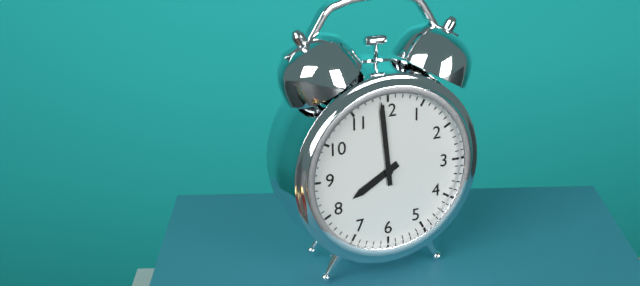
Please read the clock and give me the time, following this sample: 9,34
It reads 7,59
